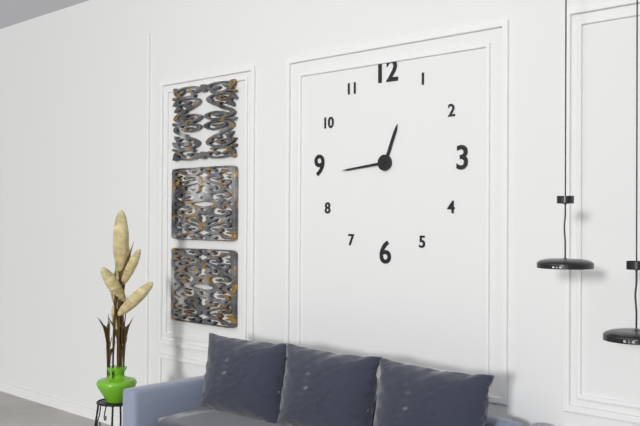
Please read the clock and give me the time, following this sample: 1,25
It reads 12,44
